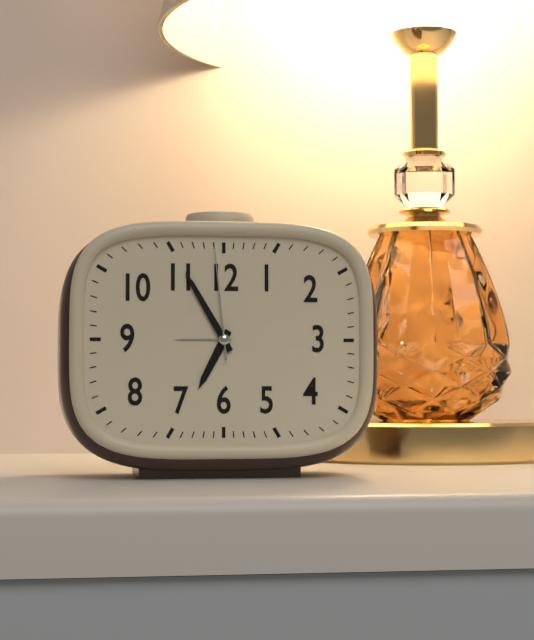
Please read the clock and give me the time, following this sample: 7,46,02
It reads 6,55,59
